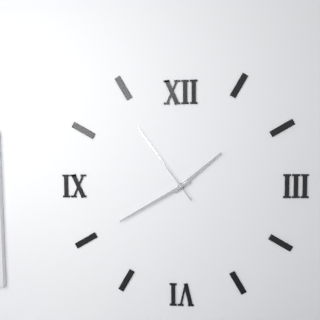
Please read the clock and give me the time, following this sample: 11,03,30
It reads 1,40,54
